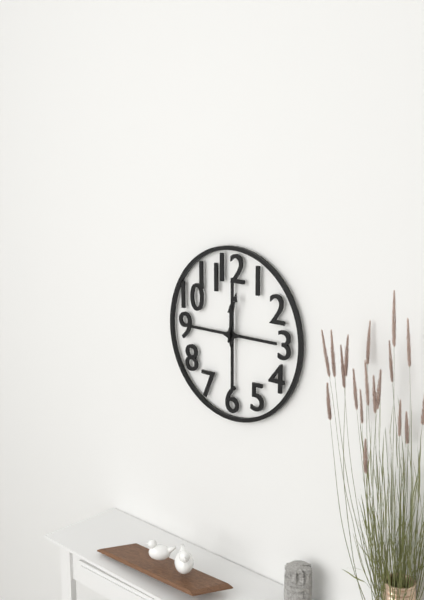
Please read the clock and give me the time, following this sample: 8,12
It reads 12,02
